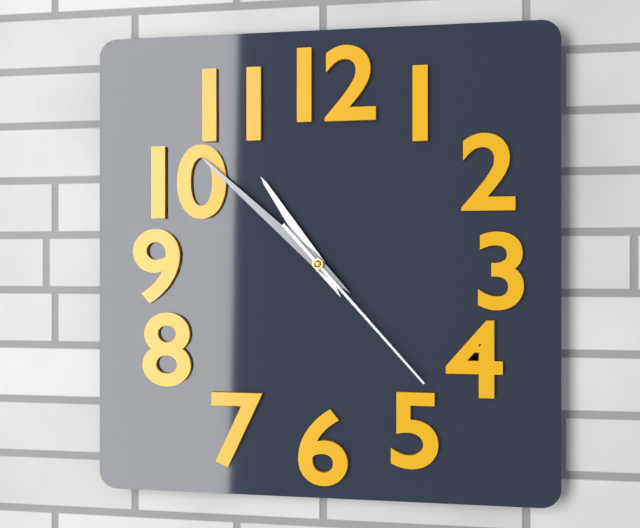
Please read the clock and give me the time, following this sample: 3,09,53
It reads 10,52,23
